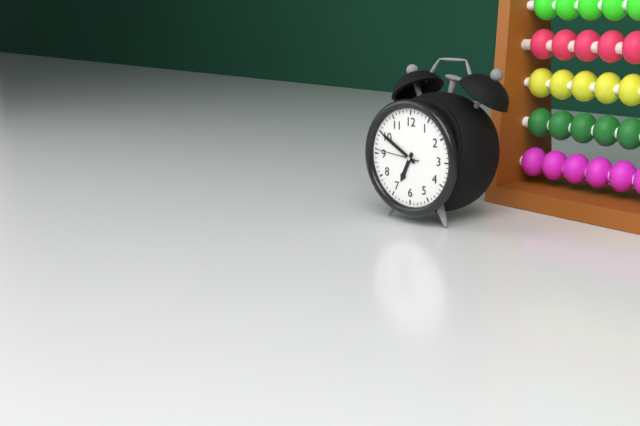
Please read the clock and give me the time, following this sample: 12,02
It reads 6,50
